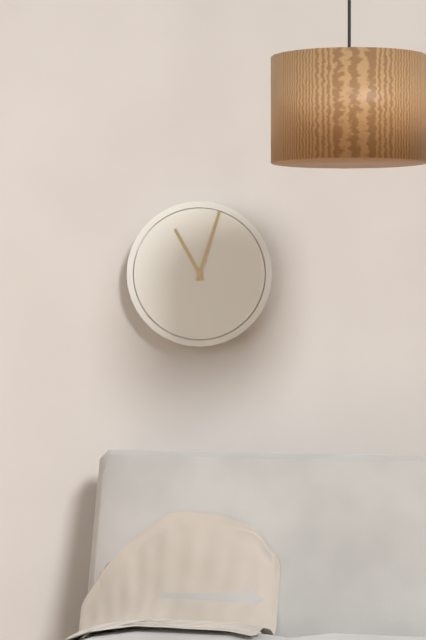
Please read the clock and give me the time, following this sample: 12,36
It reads 11,03
